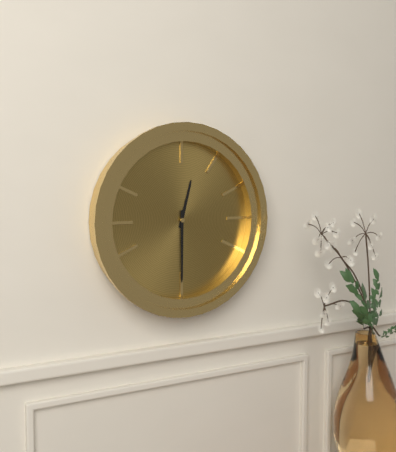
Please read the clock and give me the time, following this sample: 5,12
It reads 12,30
